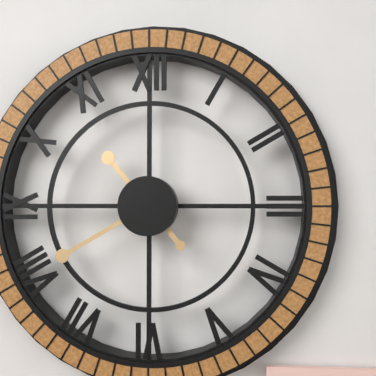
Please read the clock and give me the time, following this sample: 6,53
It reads 10,40
